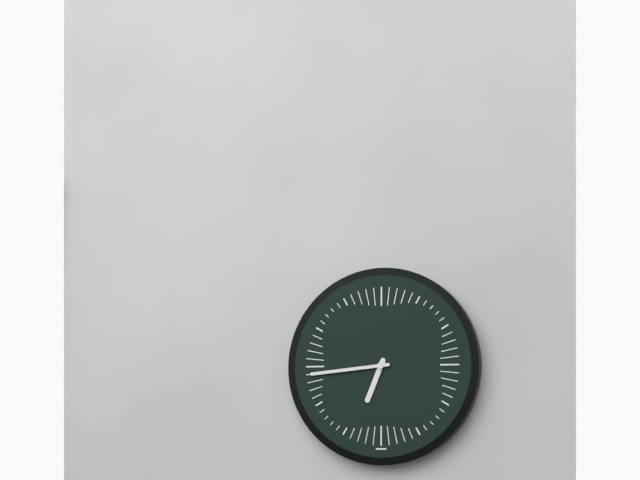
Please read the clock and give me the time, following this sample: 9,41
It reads 6,44
